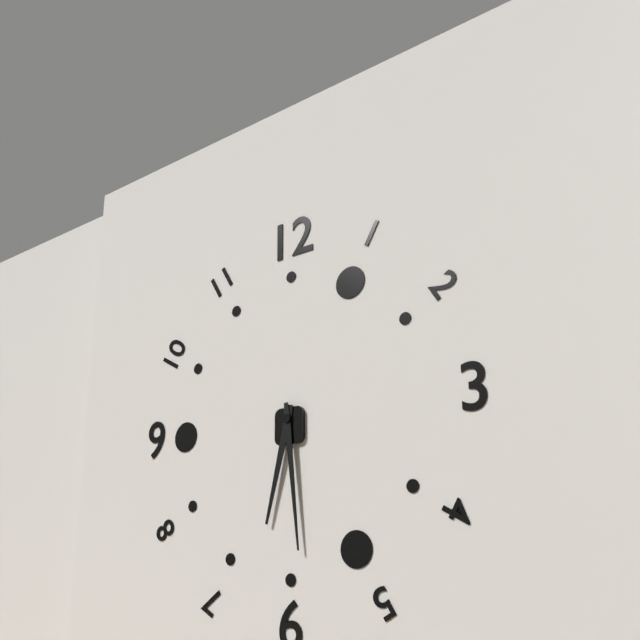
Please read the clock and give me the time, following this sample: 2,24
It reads 6,29
